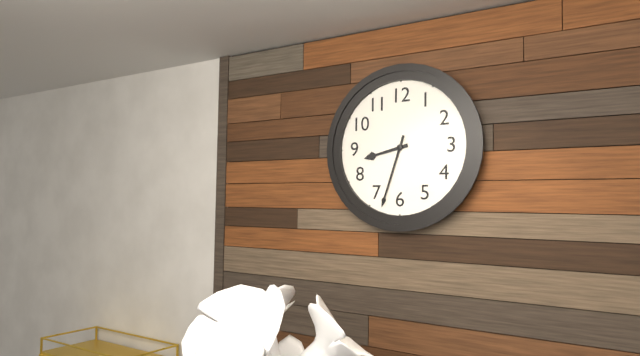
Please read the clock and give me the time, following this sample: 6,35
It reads 8,33
